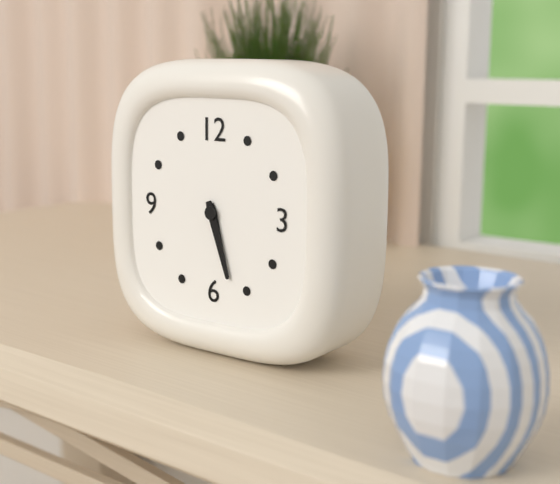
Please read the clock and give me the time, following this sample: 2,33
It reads 5,27
